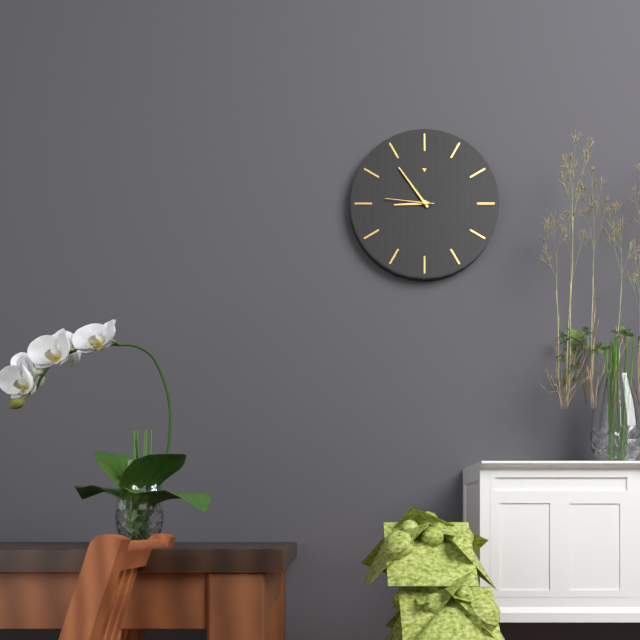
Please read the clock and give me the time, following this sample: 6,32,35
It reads 8,54,46
